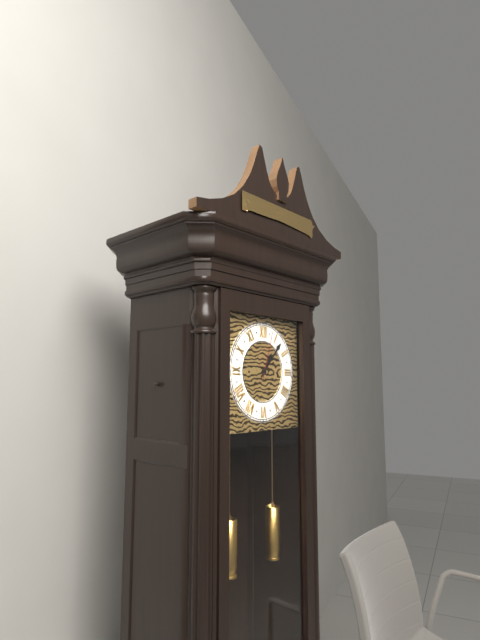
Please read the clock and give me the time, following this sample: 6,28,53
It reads 1,07,03
